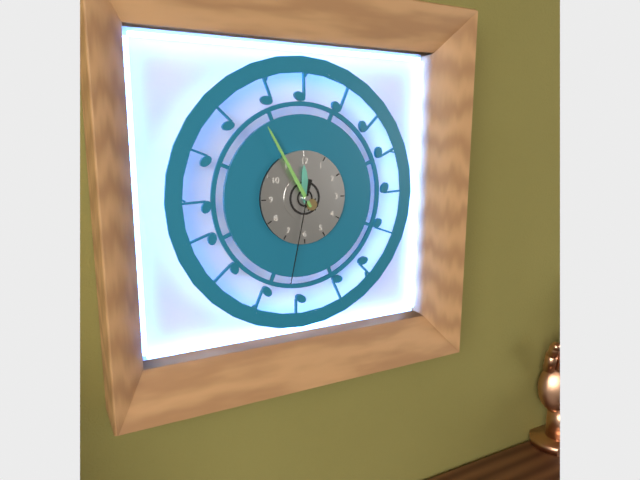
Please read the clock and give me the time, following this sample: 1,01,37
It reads 11,55,32
